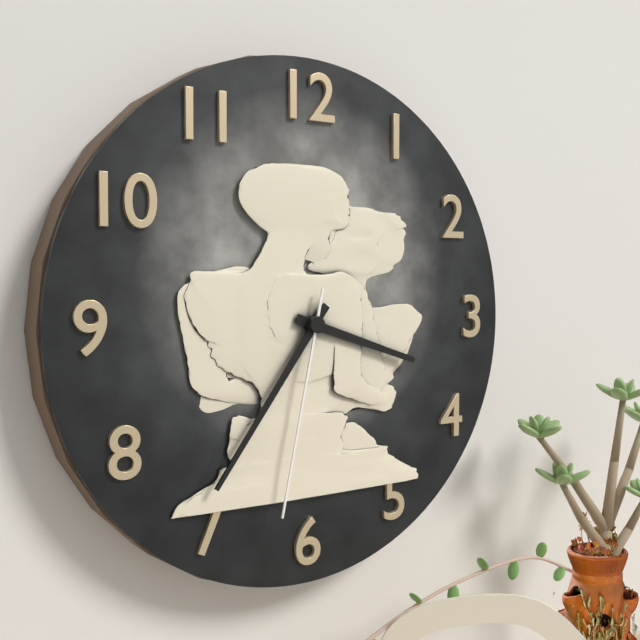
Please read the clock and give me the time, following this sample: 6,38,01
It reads 3,36,32
